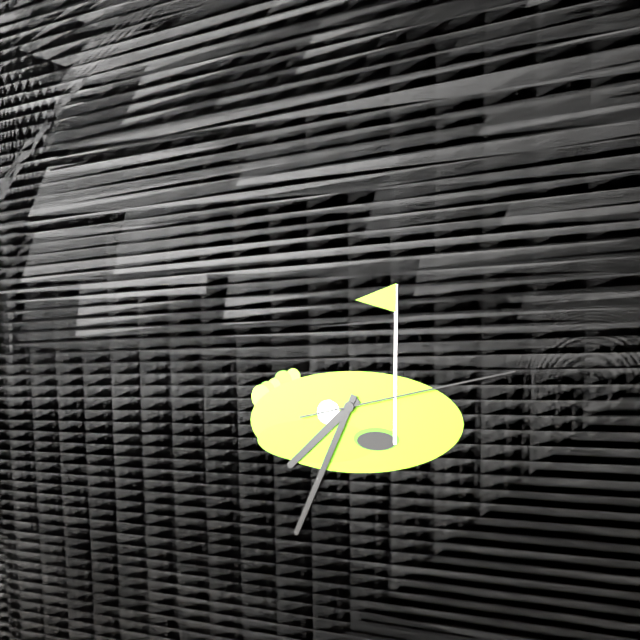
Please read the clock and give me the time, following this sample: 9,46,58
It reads 7,34,13
